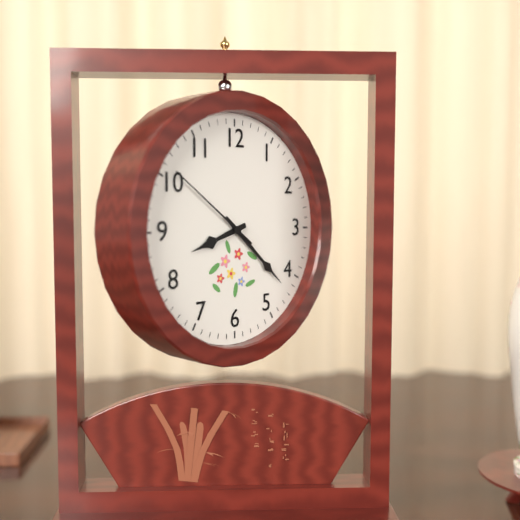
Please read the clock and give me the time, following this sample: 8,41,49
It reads 8,22,51
